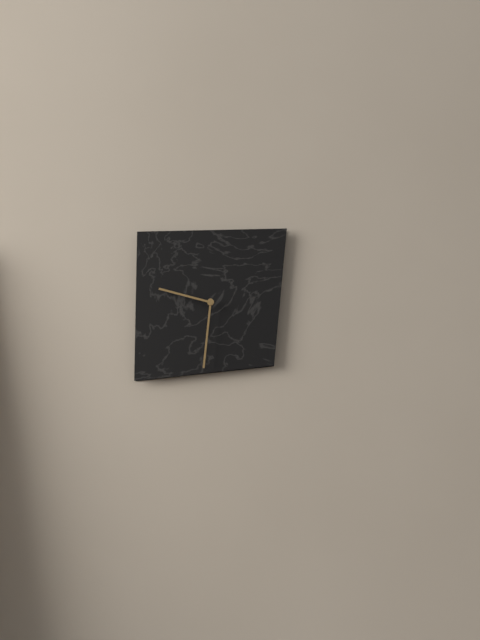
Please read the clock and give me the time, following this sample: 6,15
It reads 9,31
